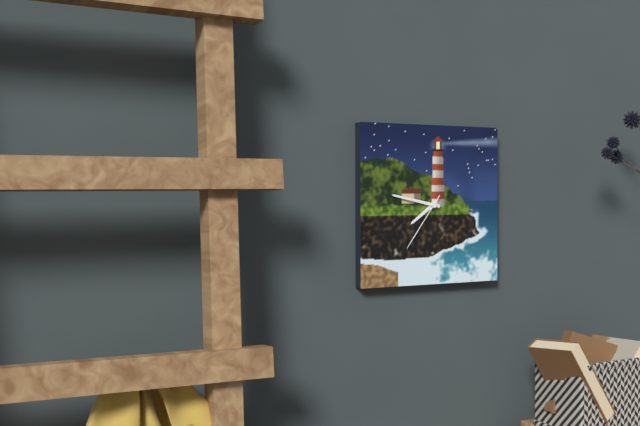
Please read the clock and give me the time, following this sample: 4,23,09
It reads 7,47,36
